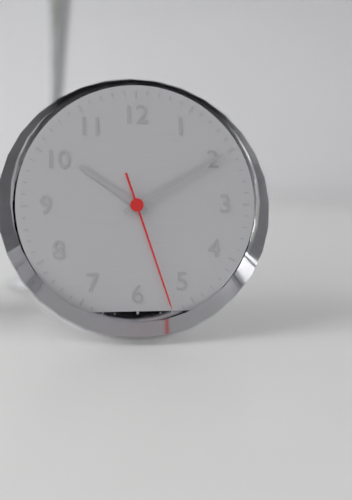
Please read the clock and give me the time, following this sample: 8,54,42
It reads 10,10,27
